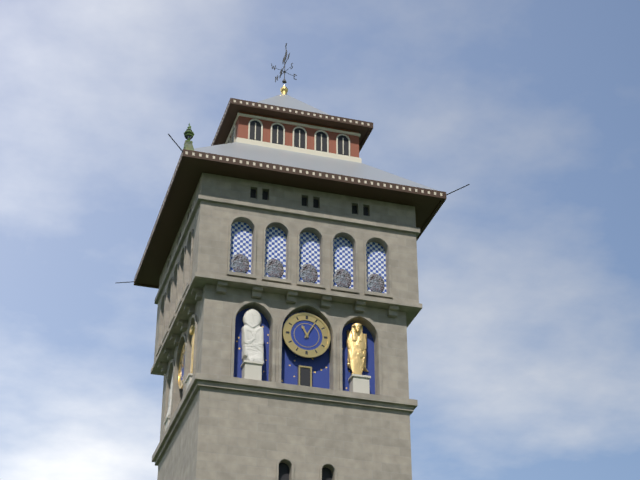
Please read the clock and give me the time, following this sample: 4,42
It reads 11,05
